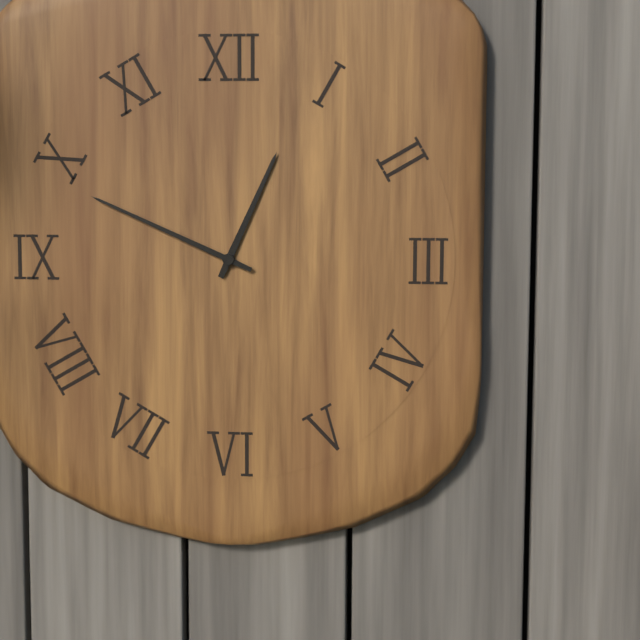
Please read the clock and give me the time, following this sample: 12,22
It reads 12,49
